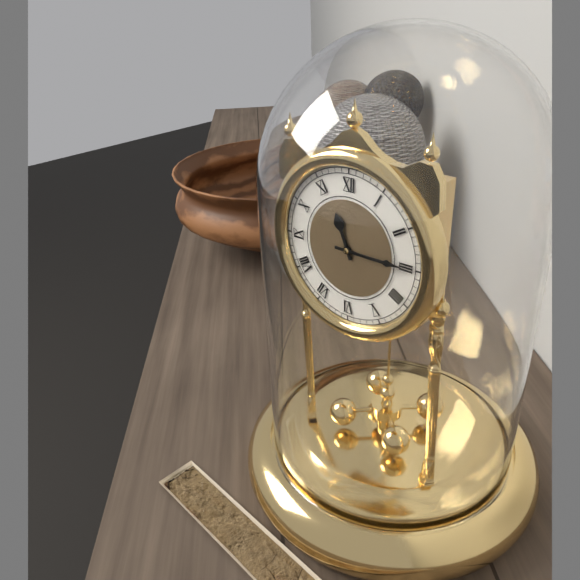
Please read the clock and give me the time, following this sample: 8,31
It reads 11,15
